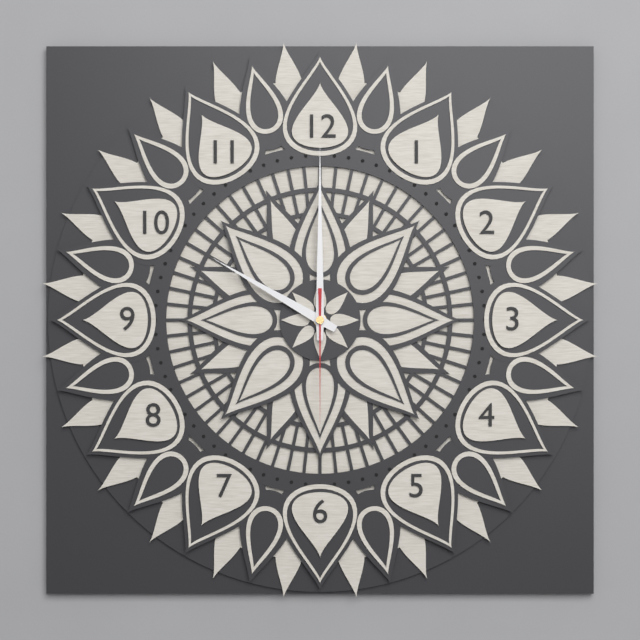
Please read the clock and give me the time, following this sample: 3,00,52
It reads 10,00,30
